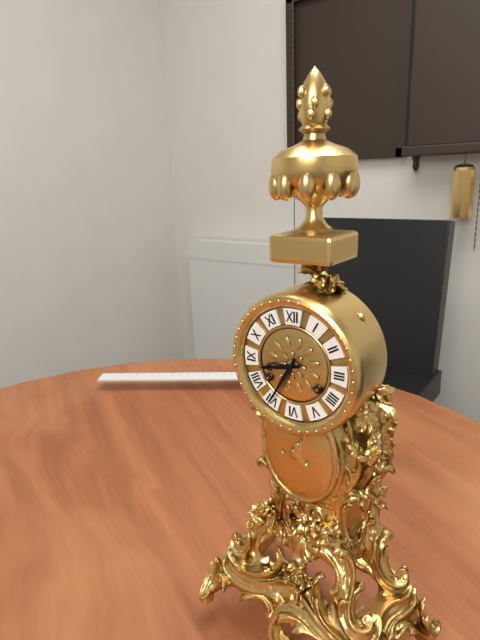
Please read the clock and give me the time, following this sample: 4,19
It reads 8,35
